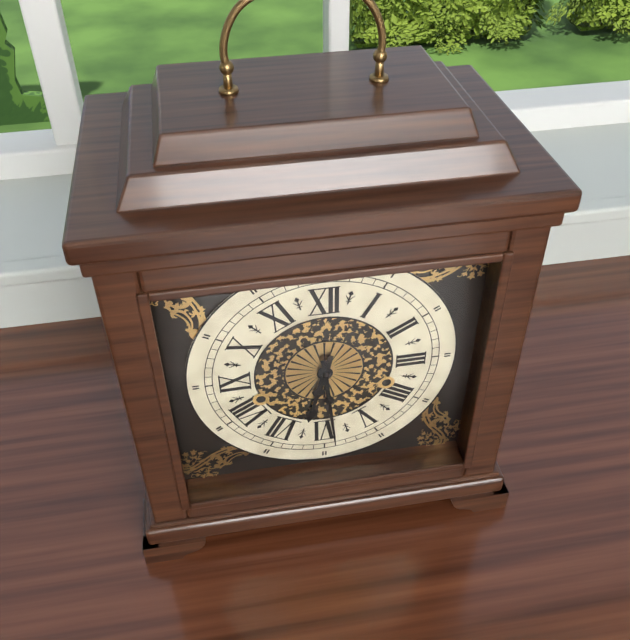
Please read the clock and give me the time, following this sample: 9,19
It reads 6,29
